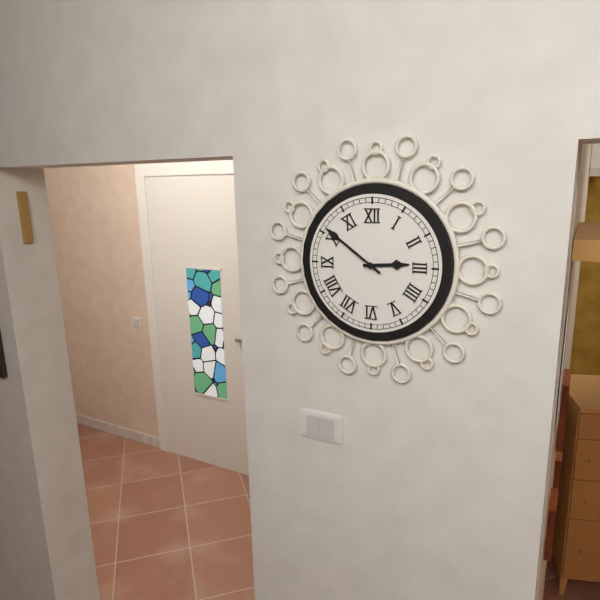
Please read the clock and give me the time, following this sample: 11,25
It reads 2,51
